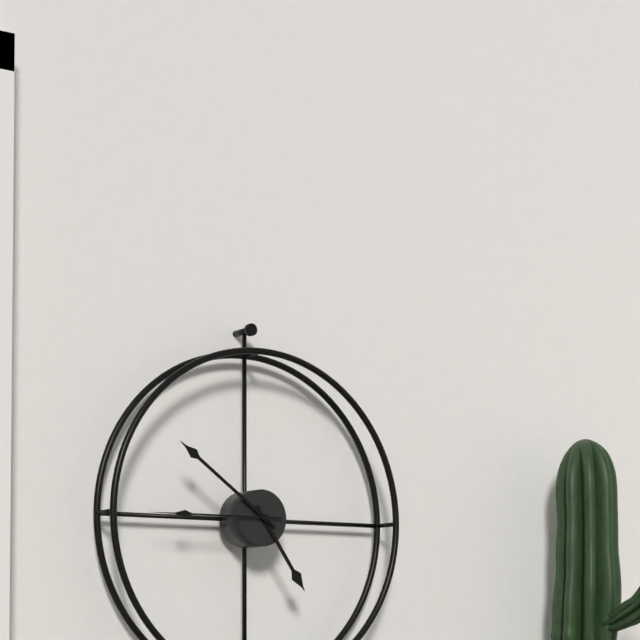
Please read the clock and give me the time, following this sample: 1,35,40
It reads 4,51,45
